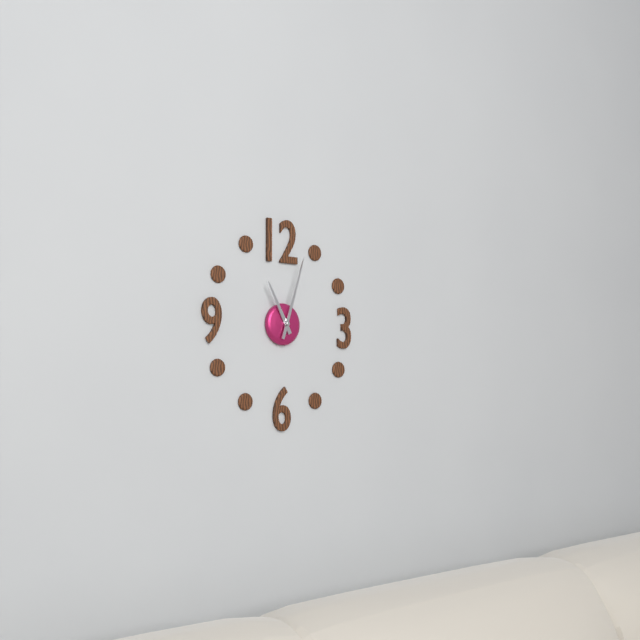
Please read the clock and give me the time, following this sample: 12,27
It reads 11,03
